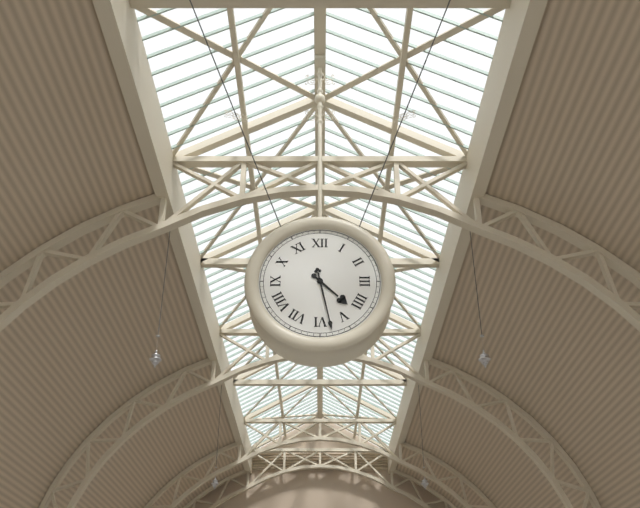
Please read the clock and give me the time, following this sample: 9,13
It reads 4,28
